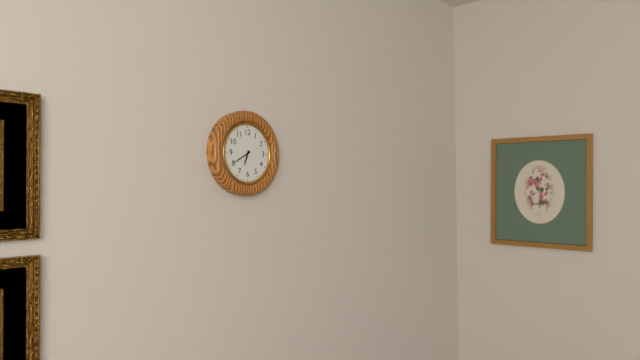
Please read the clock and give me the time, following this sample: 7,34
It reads 6,40
